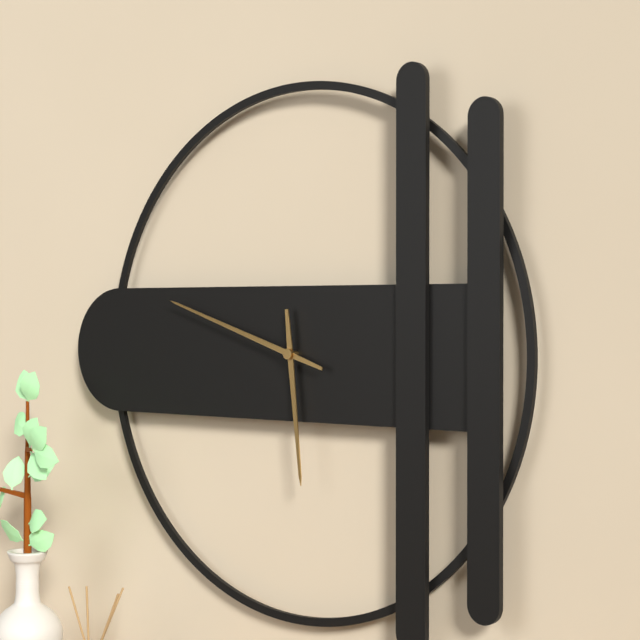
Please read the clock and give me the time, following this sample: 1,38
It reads 5,48
